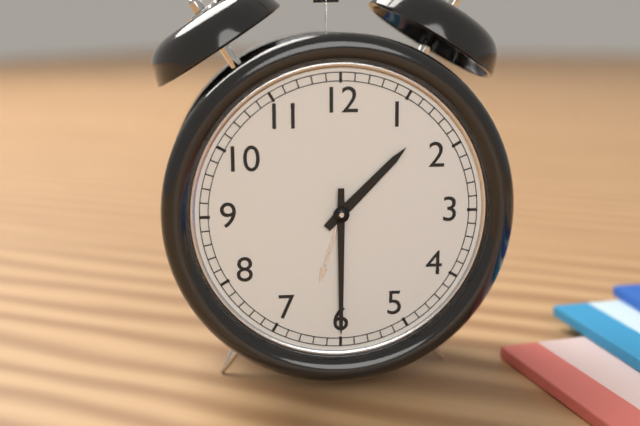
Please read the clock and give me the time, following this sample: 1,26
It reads 1,30
